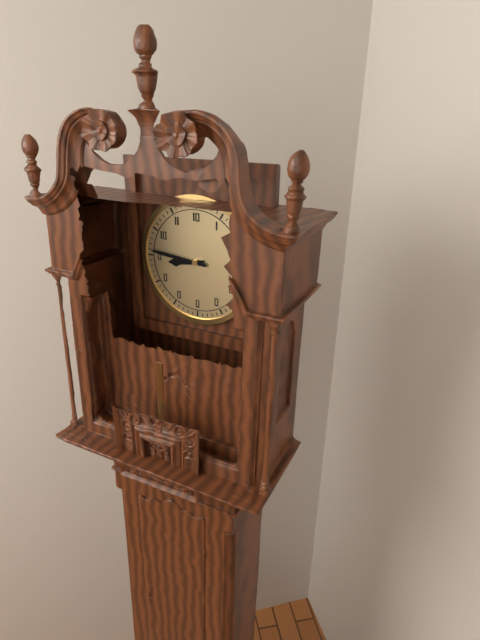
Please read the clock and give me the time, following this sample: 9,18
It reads 8,46
